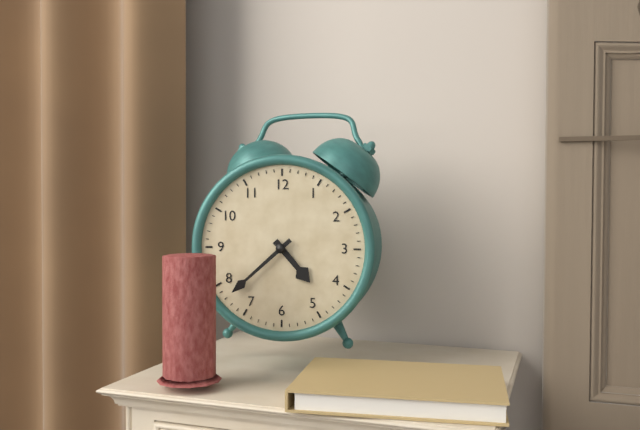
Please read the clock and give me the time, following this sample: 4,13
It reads 4,38
